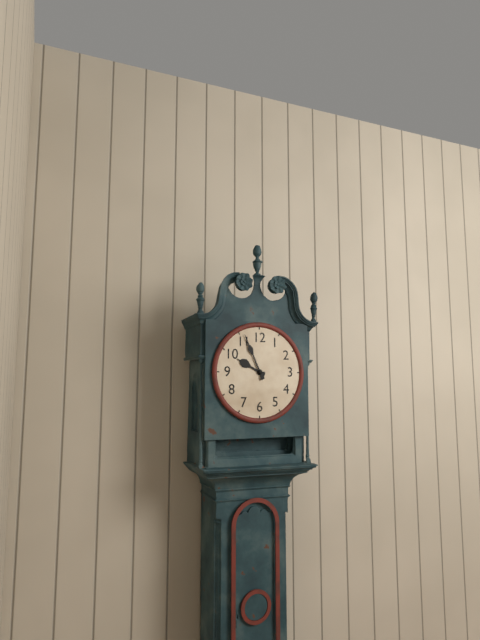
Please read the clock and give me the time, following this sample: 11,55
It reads 9,56
